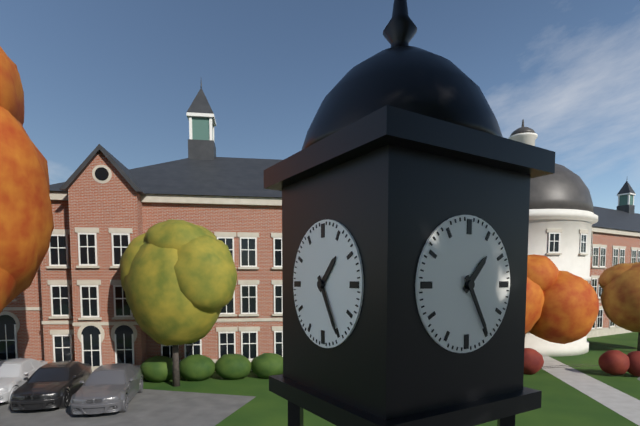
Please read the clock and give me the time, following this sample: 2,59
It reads 1,25
